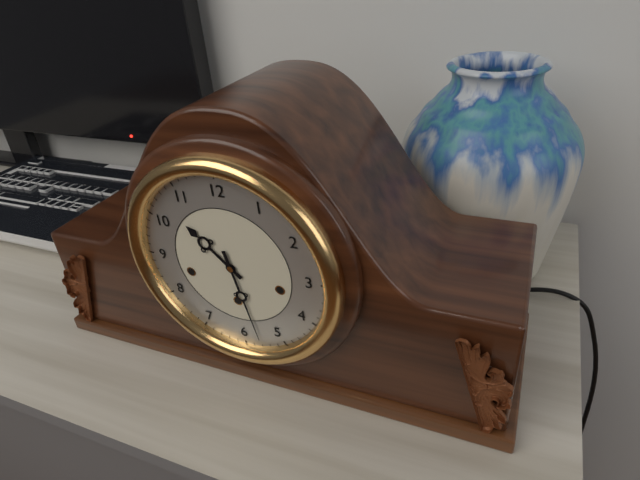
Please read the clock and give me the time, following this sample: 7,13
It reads 10,28
